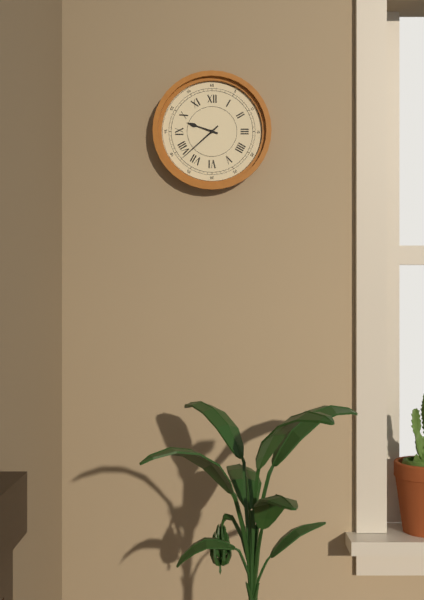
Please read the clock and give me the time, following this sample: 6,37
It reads 9,38
